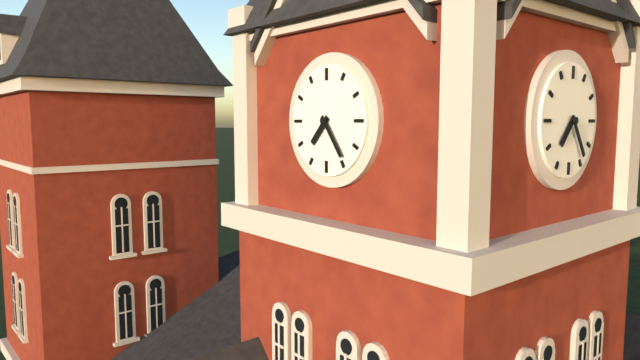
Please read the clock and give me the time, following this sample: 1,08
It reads 7,24
